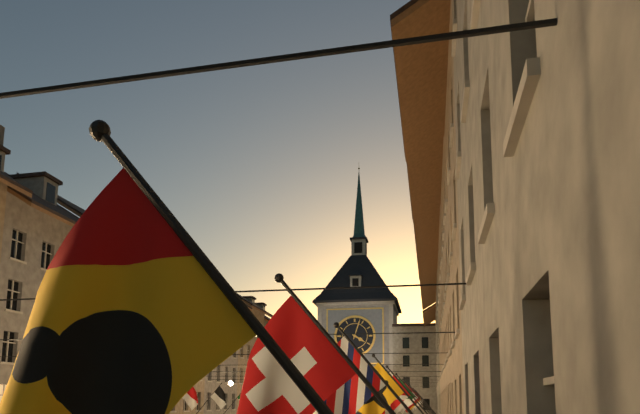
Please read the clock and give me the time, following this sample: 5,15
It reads 4,03
